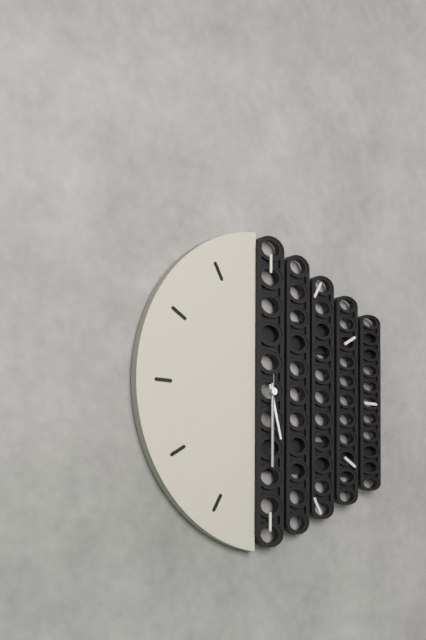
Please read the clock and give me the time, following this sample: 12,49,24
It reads 5,30,30
